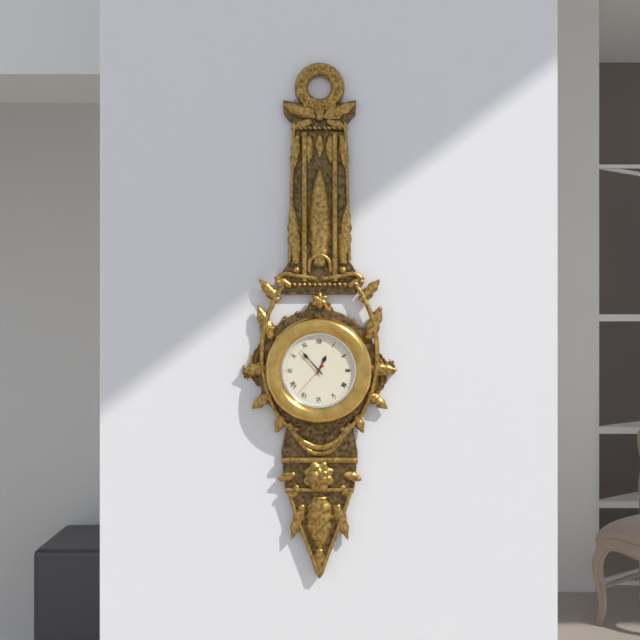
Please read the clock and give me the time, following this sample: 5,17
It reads 12,53
